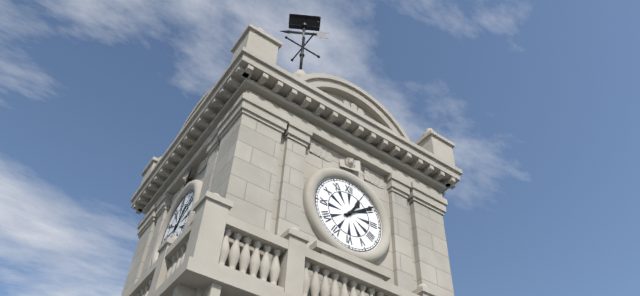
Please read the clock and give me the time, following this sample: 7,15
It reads 1,09
